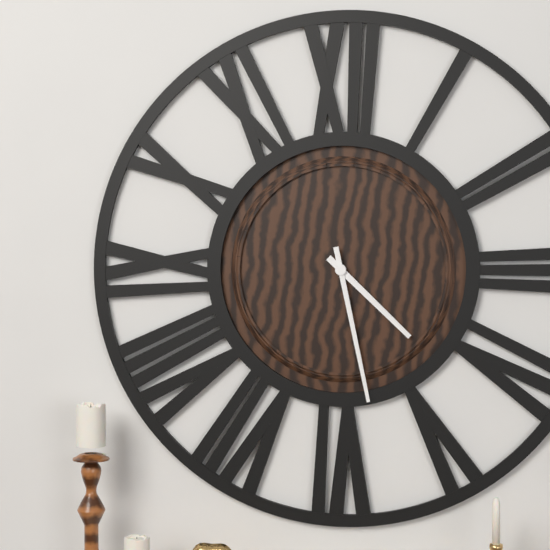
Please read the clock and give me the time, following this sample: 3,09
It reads 4,28
